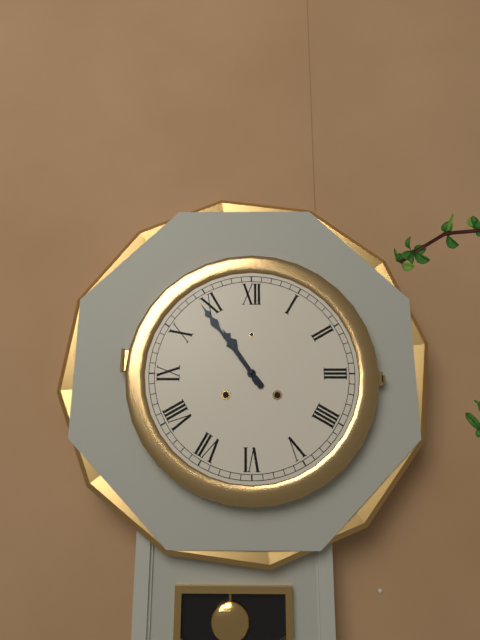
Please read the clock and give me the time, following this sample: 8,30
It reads 10,54
